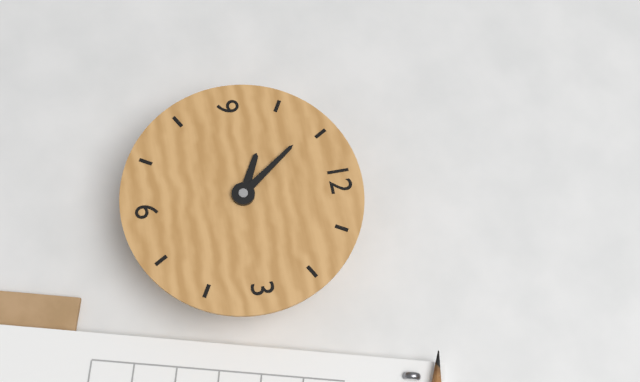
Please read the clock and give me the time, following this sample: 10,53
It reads 9,54
